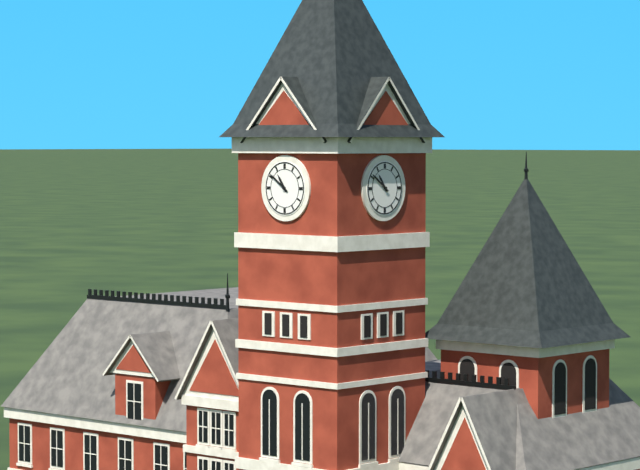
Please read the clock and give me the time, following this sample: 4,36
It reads 10,51
